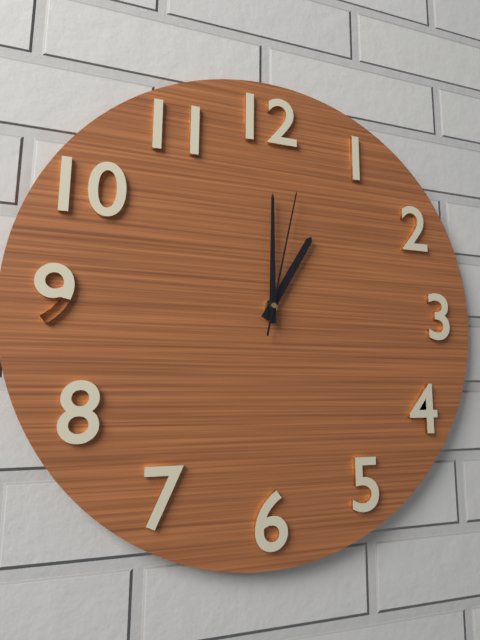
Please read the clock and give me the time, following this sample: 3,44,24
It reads 1,00,02
